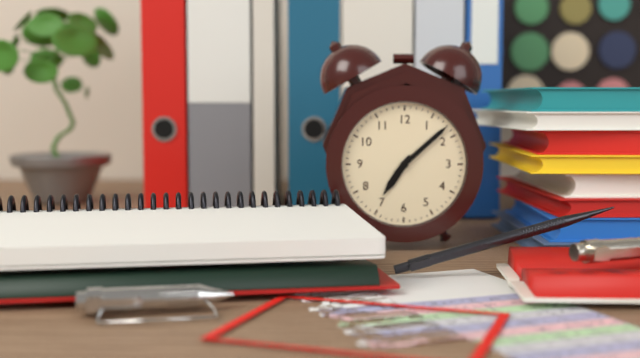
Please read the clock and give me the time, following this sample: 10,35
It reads 7,08
